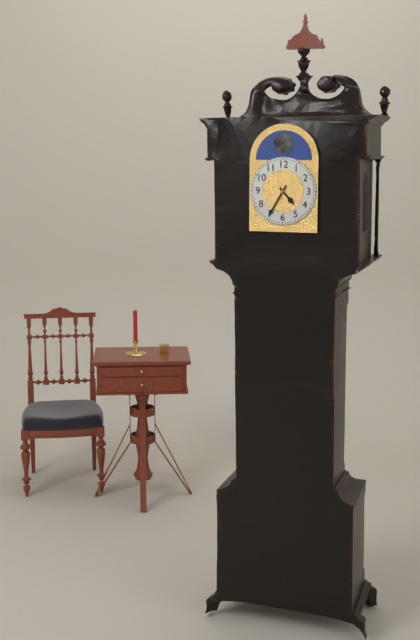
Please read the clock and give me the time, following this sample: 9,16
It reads 4,35
